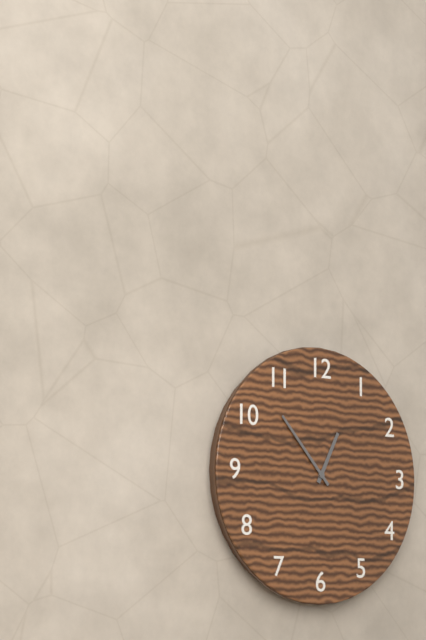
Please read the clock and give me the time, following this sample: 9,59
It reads 12,53
